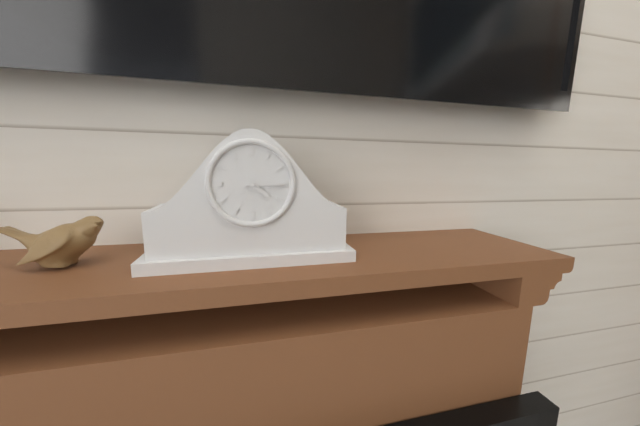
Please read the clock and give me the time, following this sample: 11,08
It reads 4,15
